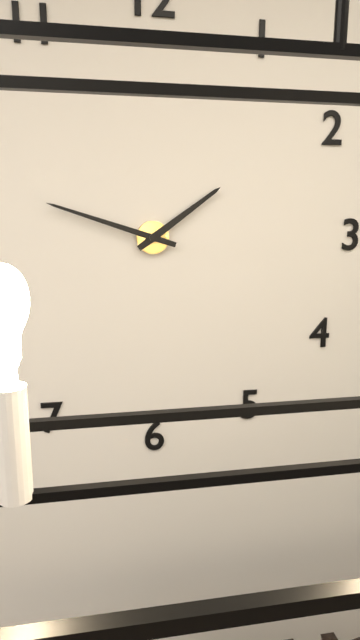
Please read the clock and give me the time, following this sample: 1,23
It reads 1,48
